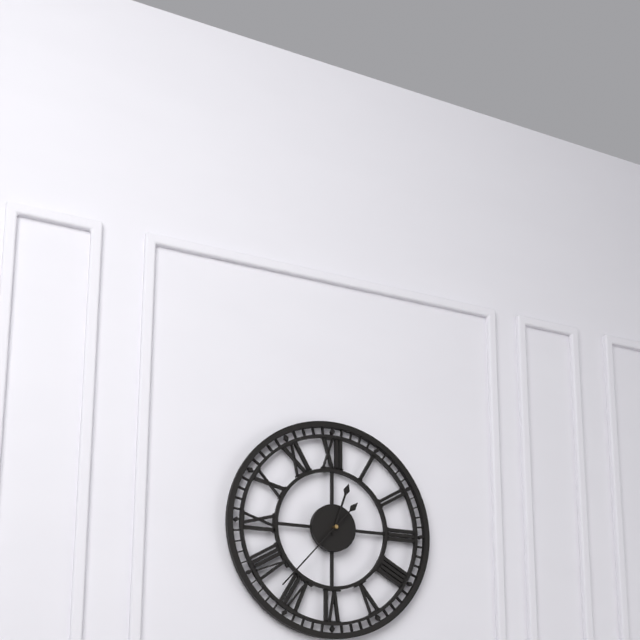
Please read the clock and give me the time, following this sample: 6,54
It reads 12,37
